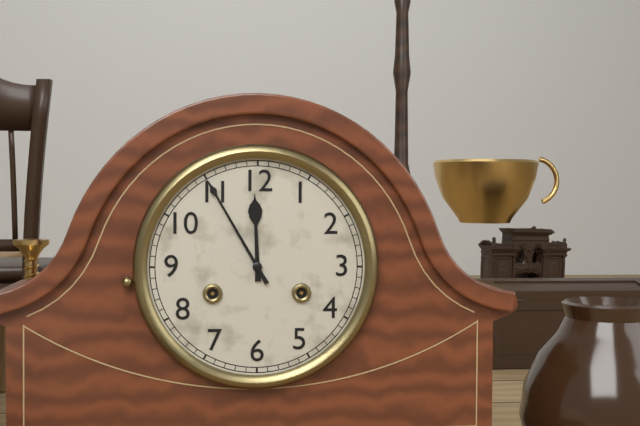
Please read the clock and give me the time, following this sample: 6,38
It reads 11,55
